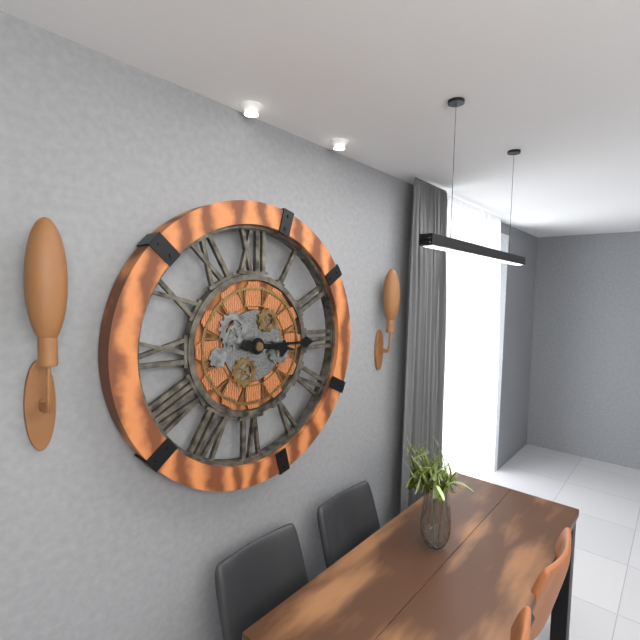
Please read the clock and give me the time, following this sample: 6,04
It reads 3,15
